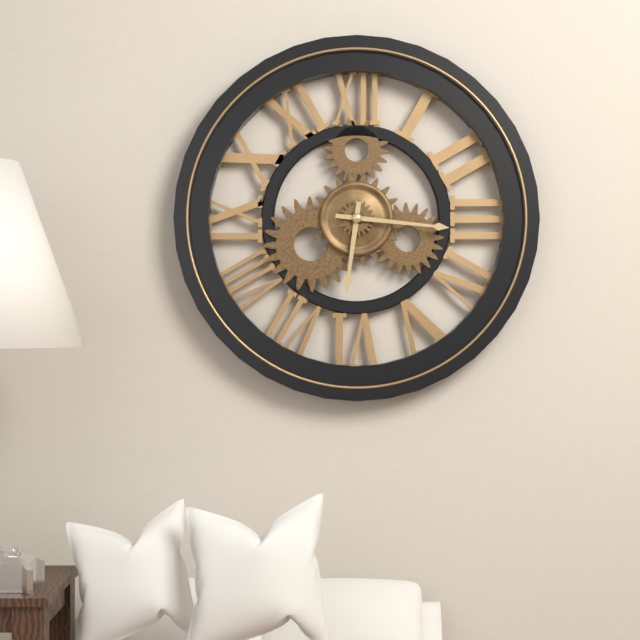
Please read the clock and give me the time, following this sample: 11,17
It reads 6,16
